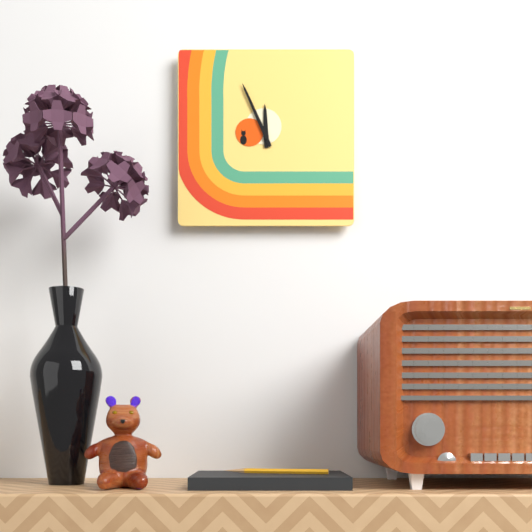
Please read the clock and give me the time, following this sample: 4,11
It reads 11,56
